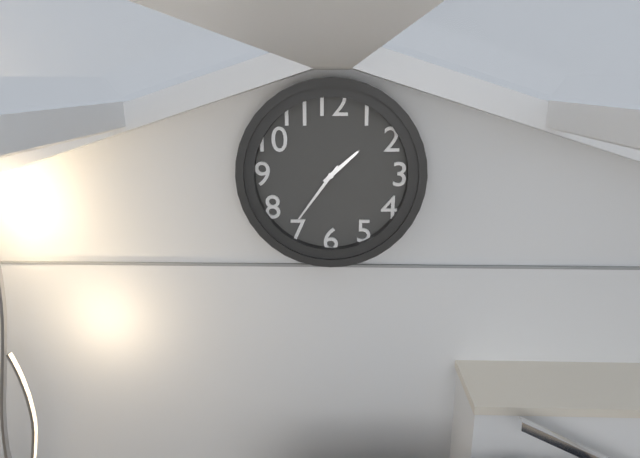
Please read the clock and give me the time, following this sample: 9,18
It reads 1,36
